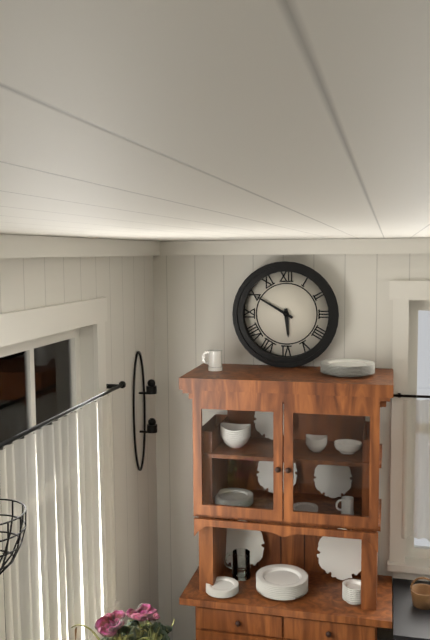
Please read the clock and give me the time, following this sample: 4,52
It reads 5,50
